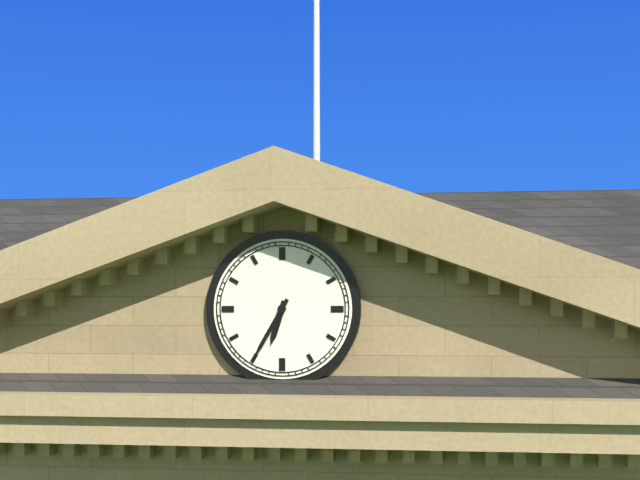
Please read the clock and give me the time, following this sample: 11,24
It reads 6,35
